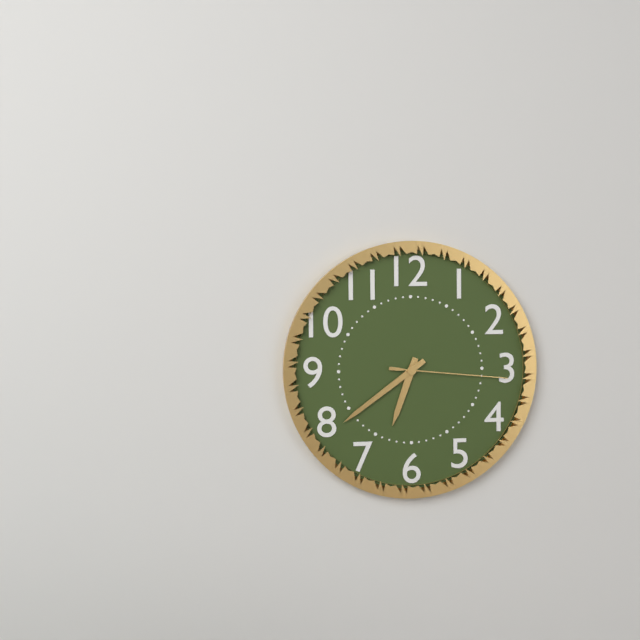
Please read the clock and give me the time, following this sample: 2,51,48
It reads 6,39,16
